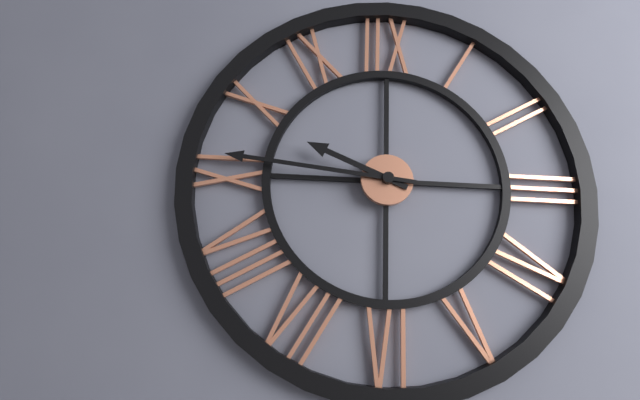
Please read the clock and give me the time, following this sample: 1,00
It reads 9,46
